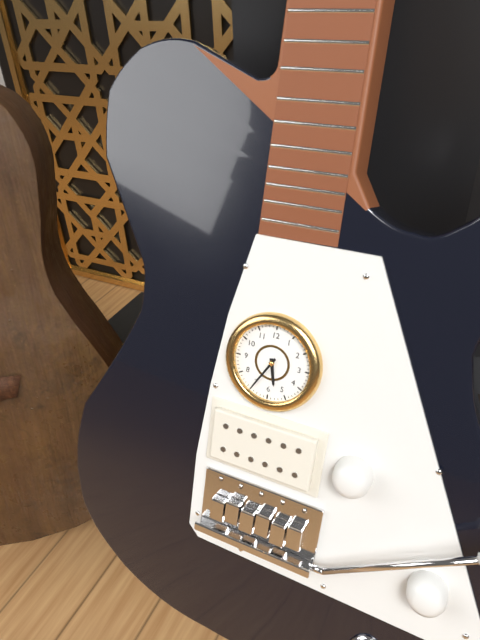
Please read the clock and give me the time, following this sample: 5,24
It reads 5,35
